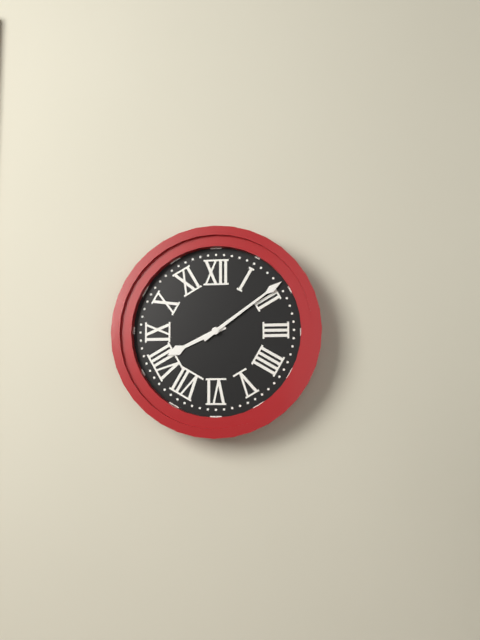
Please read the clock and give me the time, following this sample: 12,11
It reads 8,09
